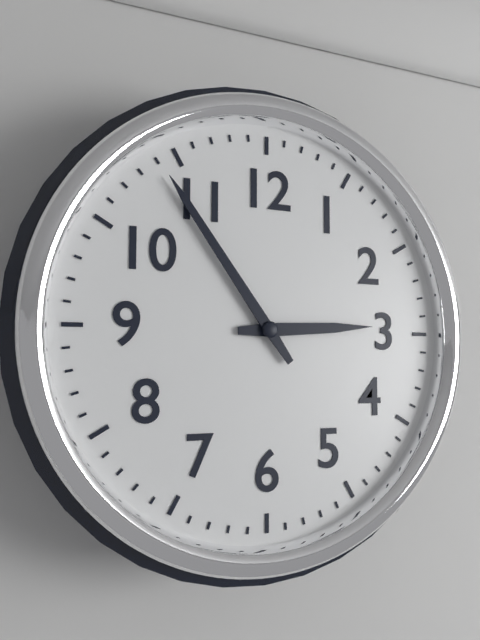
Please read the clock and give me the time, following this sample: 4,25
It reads 2,54
